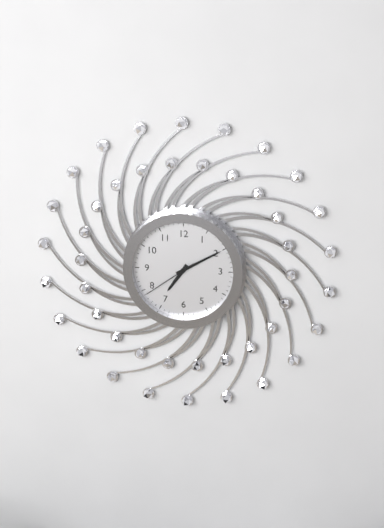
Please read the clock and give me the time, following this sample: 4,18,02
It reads 7,10,39
